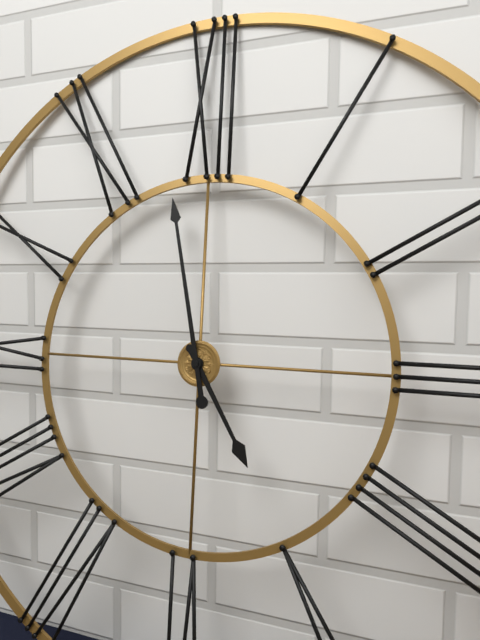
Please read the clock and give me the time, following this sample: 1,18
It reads 4,58
